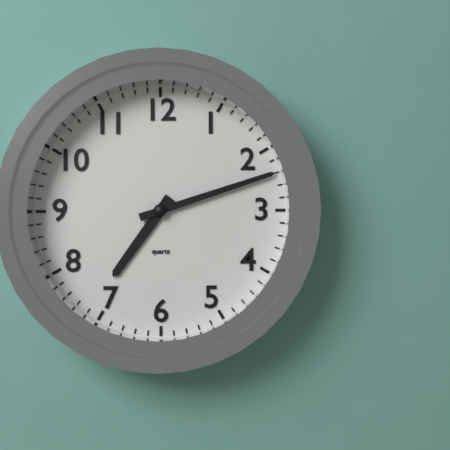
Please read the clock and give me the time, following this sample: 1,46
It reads 7,12
